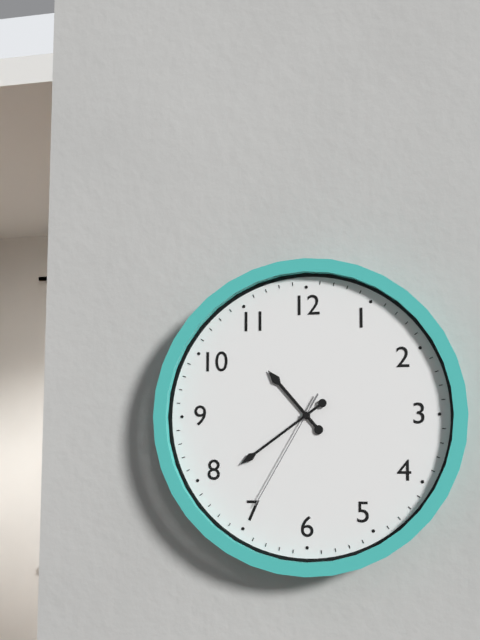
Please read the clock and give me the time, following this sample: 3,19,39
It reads 10,39,35
